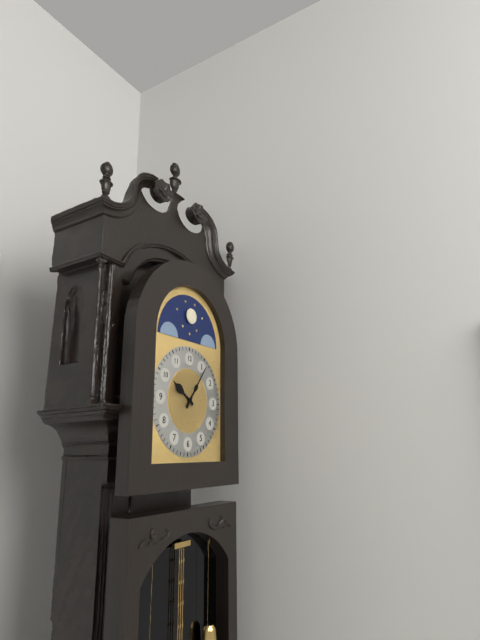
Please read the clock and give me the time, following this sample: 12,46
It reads 10,06
